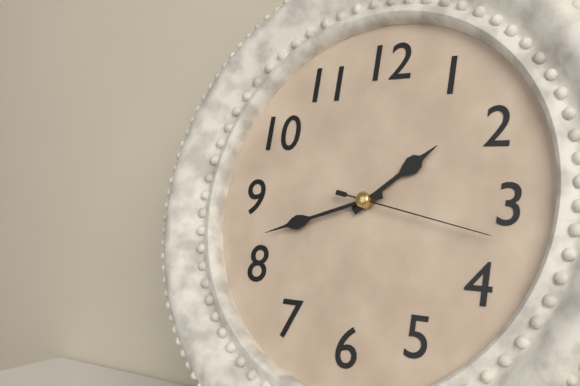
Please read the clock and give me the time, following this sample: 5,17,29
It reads 1,42,17
